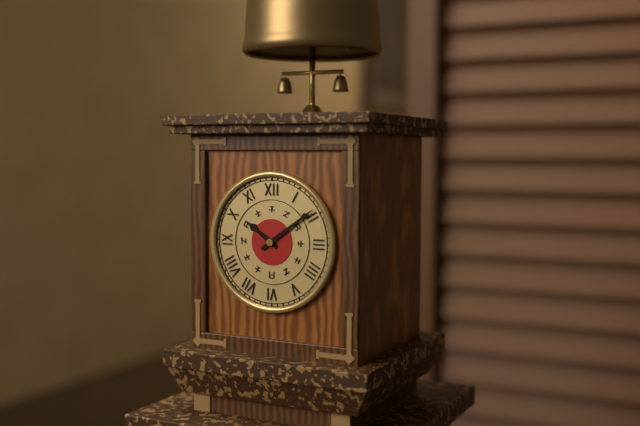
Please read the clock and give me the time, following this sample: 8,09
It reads 10,09
